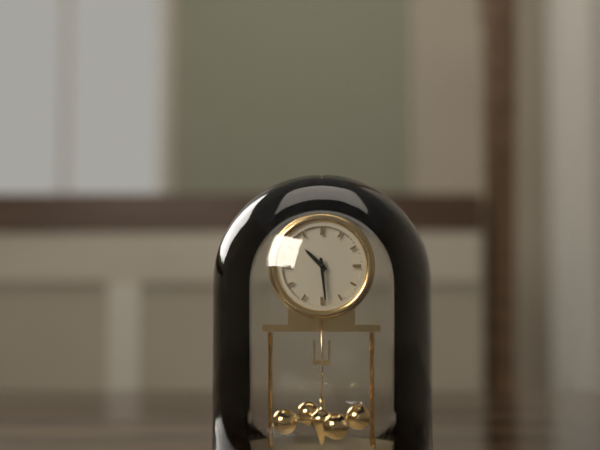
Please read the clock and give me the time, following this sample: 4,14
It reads 10,29
